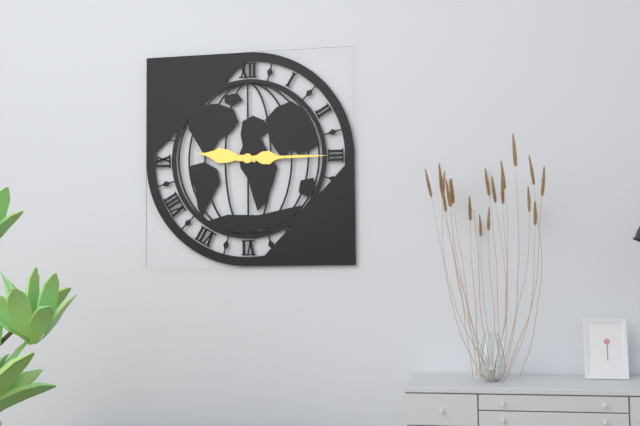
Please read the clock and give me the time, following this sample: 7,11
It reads 9,15
